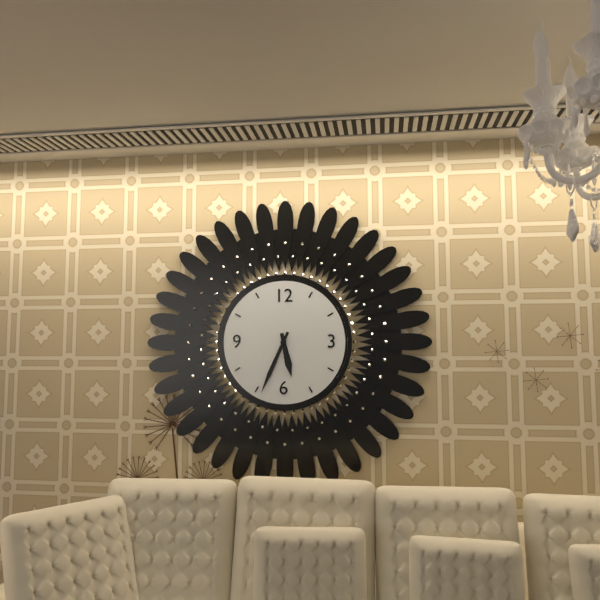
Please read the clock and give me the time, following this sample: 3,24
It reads 5,34
